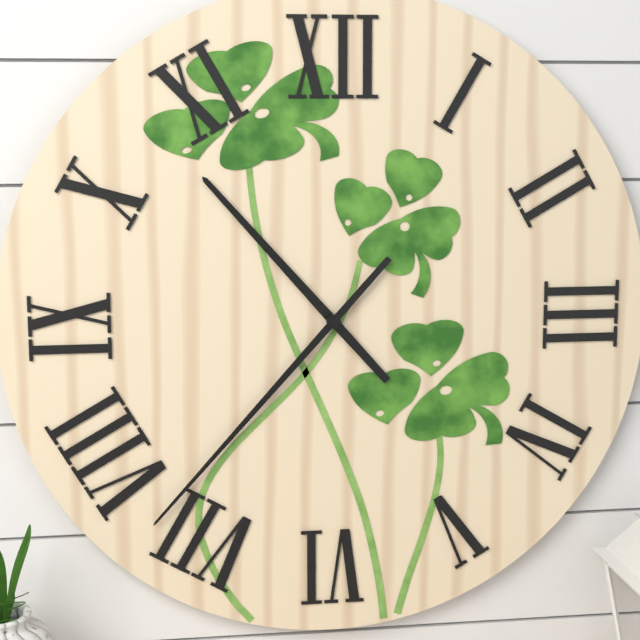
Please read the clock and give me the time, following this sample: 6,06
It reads 10,37
